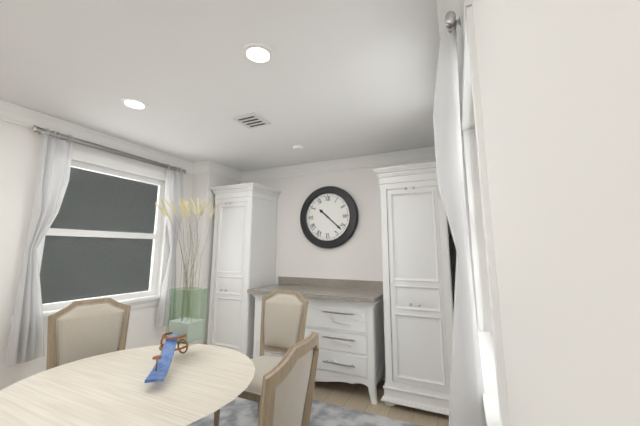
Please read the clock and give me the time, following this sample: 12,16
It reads 10,22
